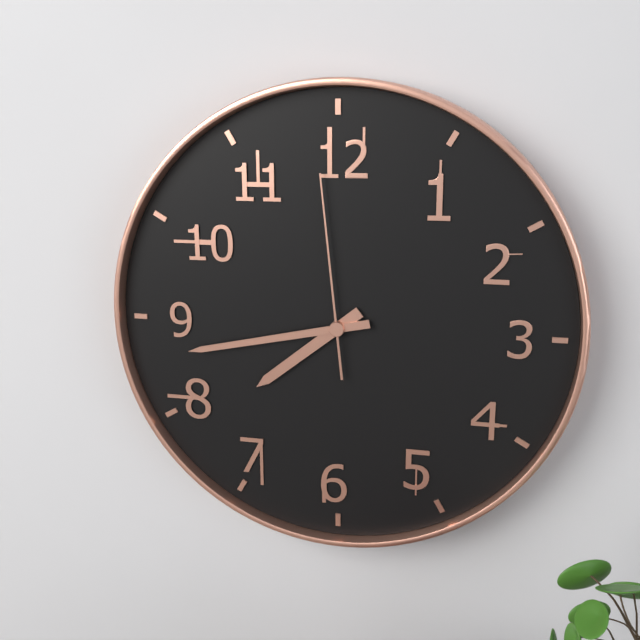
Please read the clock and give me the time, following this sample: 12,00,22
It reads 7,43,59
